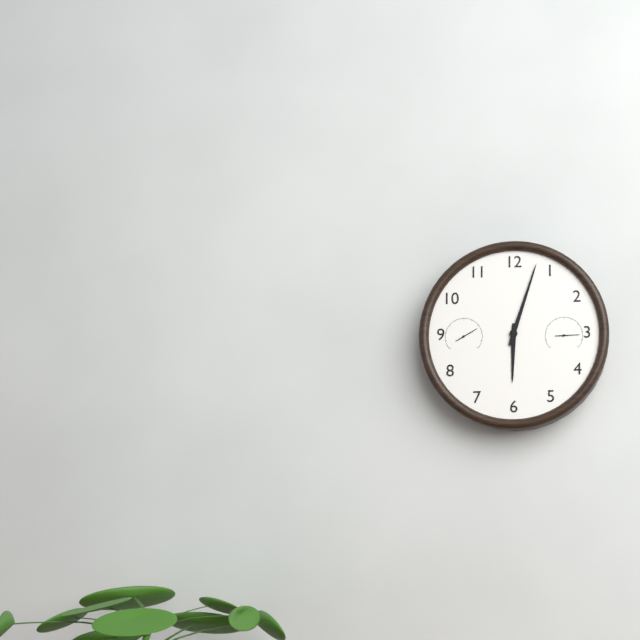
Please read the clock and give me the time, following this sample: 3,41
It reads 6,03
